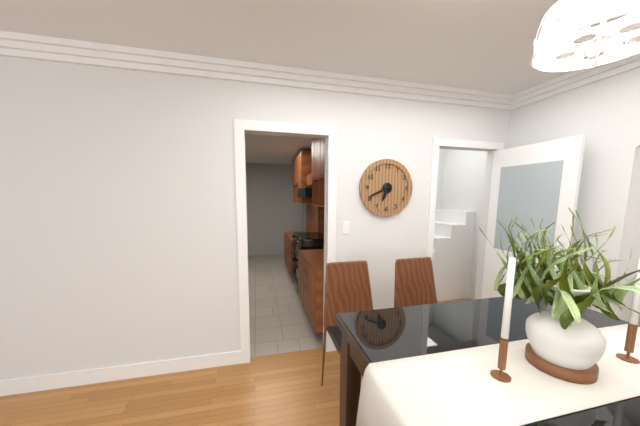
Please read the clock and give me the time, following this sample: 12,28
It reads 6,41
